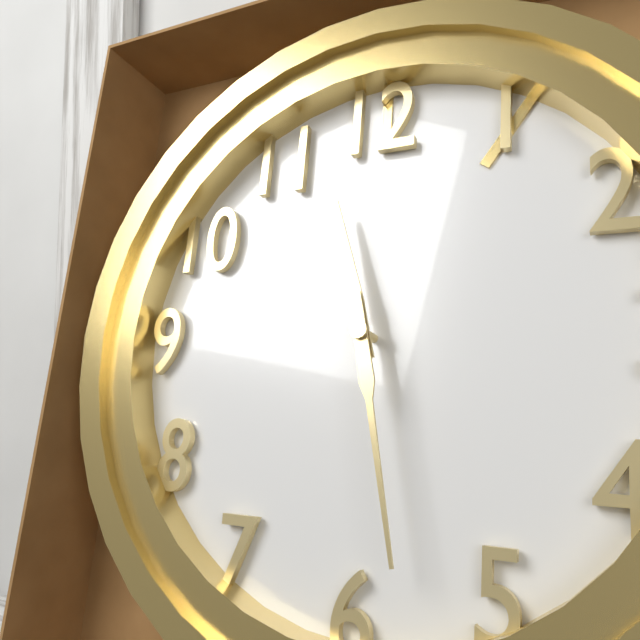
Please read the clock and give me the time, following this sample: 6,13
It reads 11,28
